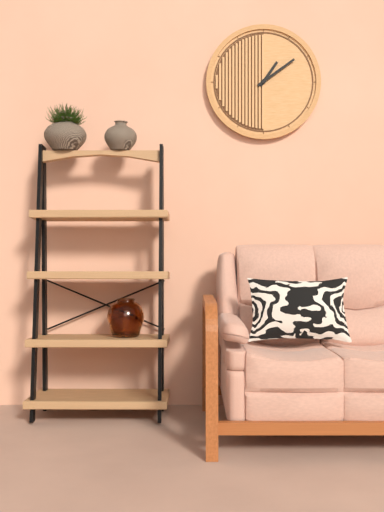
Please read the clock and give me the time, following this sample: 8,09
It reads 1,09
